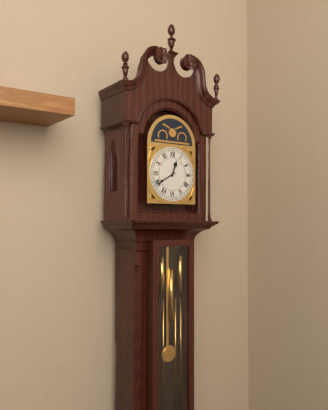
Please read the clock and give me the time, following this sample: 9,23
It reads 12,40
